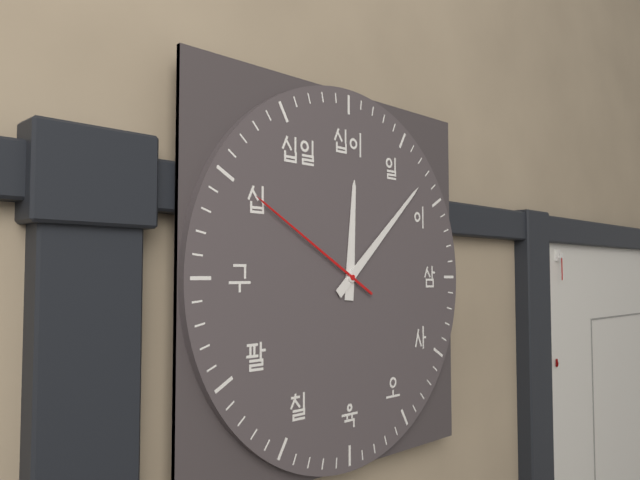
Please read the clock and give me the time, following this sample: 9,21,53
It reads 12,08,50
